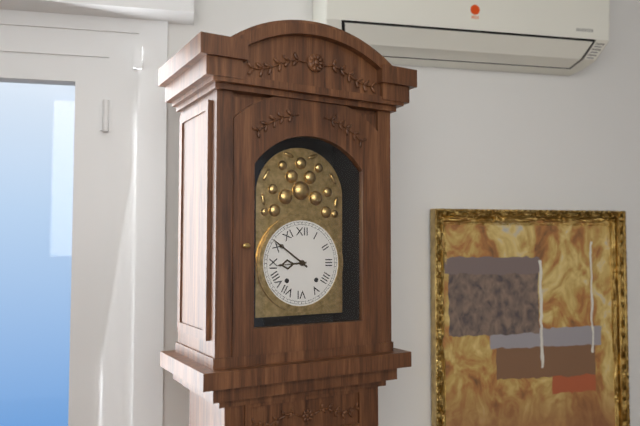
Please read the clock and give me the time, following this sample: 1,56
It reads 8,51
